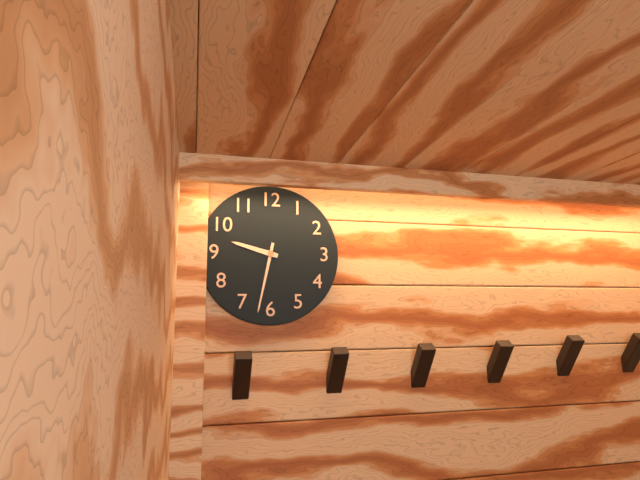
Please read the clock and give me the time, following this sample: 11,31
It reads 9,32
